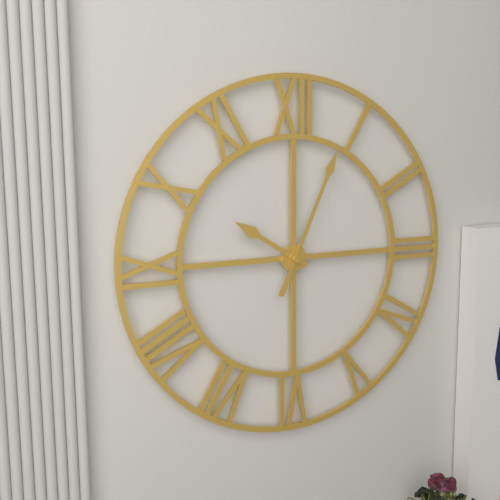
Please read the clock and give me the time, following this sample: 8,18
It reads 10,04
